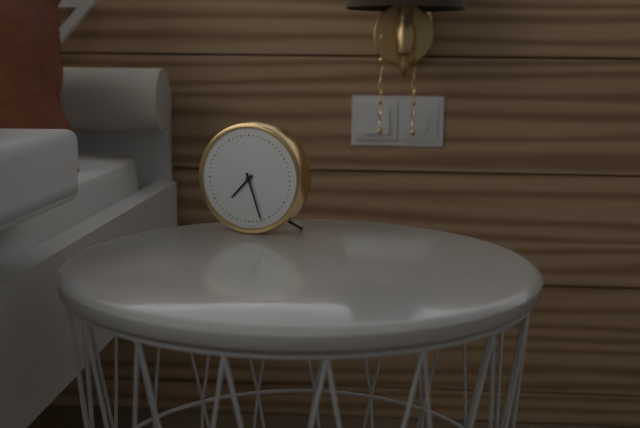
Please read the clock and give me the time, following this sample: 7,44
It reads 7,27
